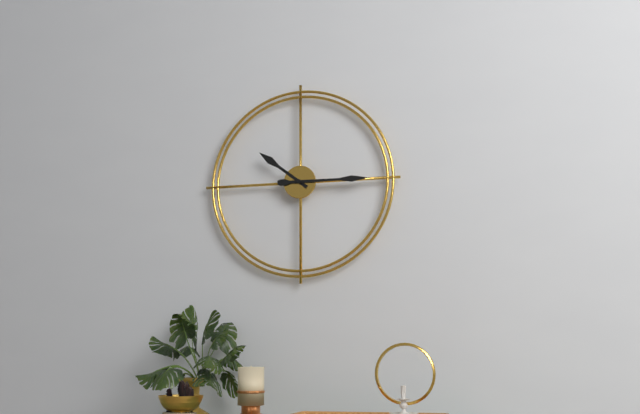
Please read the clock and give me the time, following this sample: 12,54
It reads 10,15
